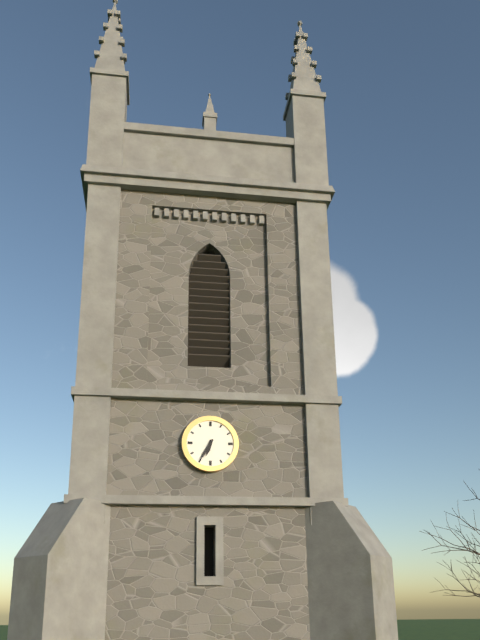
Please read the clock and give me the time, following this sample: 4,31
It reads 6,35
